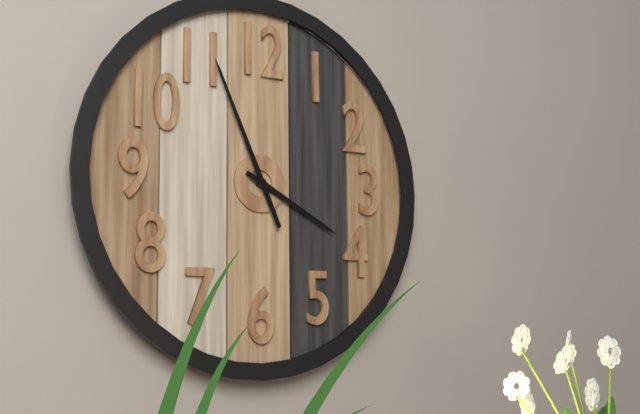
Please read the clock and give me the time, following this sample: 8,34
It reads 3,56
